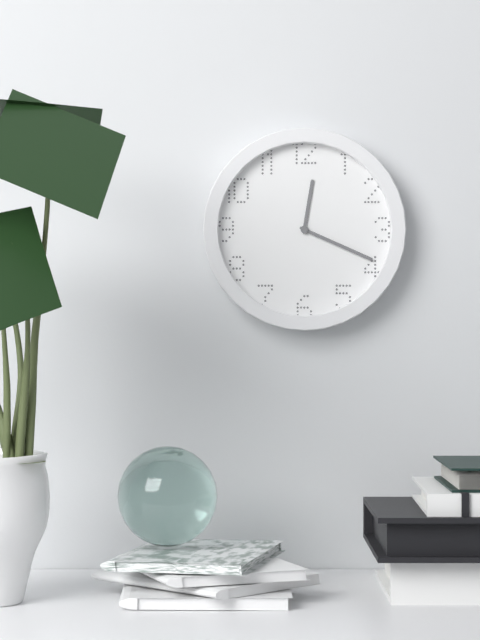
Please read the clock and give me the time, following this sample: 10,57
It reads 12,19
